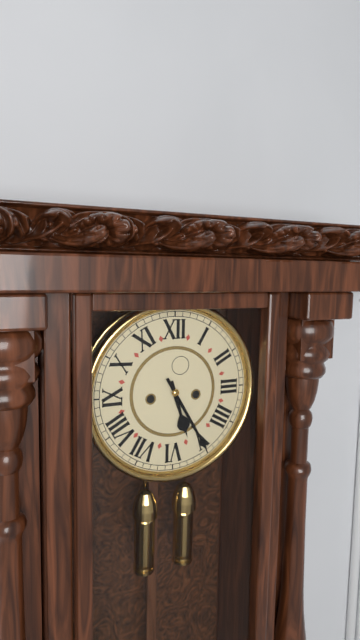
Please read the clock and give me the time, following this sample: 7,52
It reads 5,25
